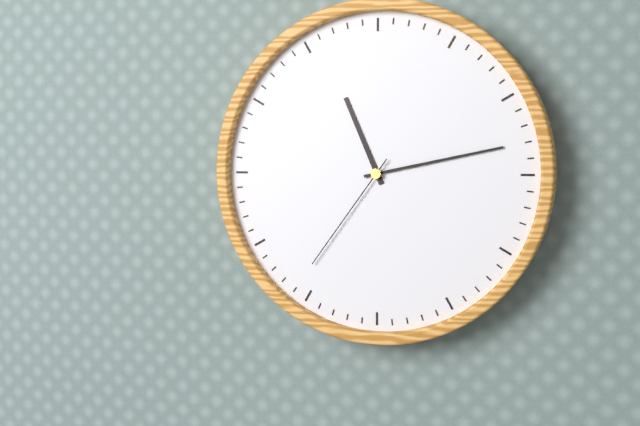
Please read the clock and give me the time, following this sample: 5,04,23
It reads 11,13,36
